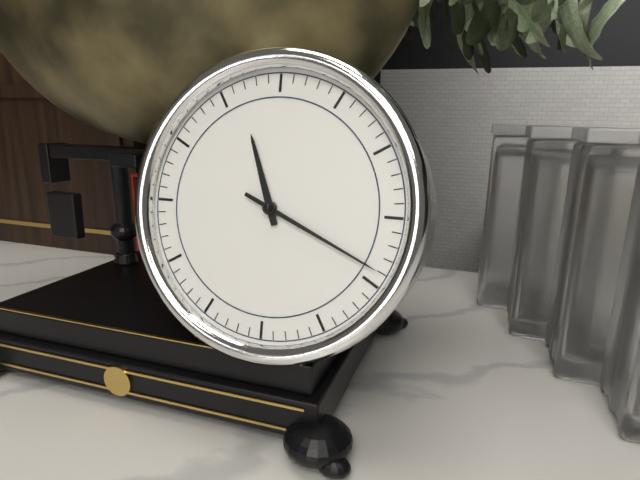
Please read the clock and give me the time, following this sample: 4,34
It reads 11,19
